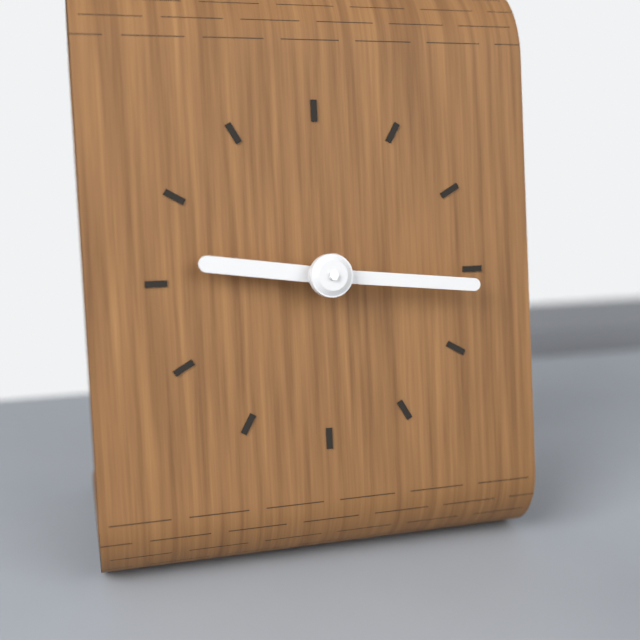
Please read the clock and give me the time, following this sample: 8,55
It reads 9,16
